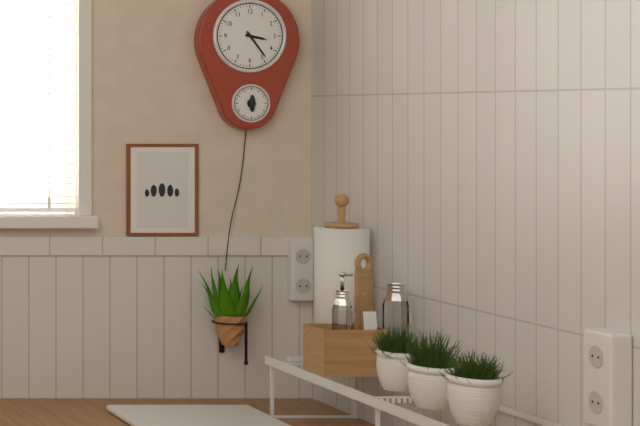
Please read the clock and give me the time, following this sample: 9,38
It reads 3,24
